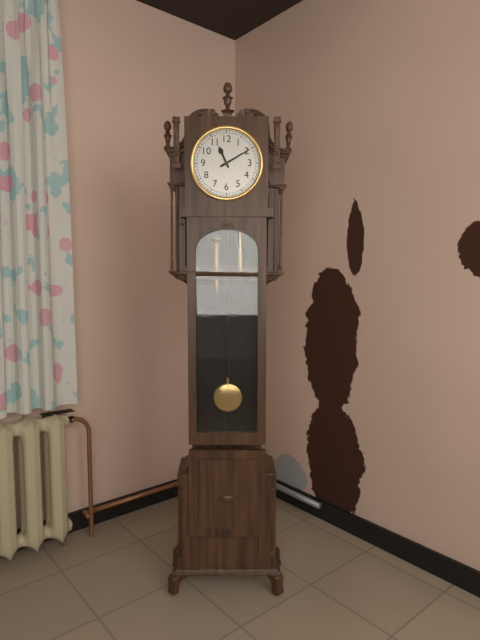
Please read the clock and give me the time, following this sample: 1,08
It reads 11,10
